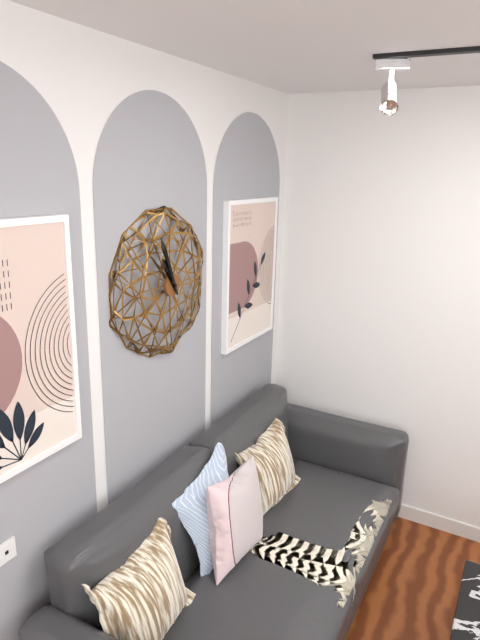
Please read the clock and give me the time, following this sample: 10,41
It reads 10,56
